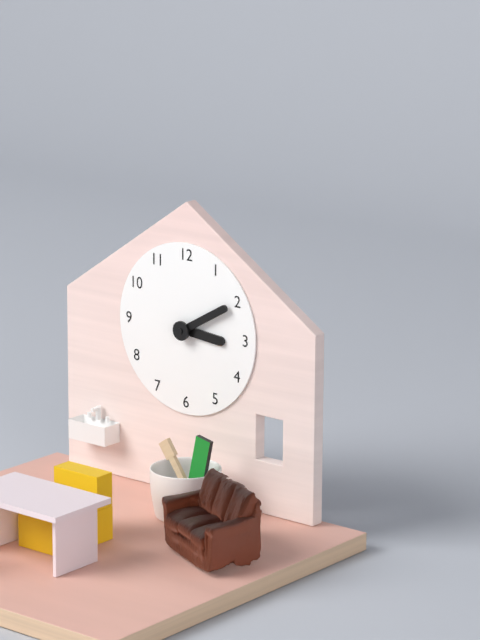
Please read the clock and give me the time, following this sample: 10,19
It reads 3,10
